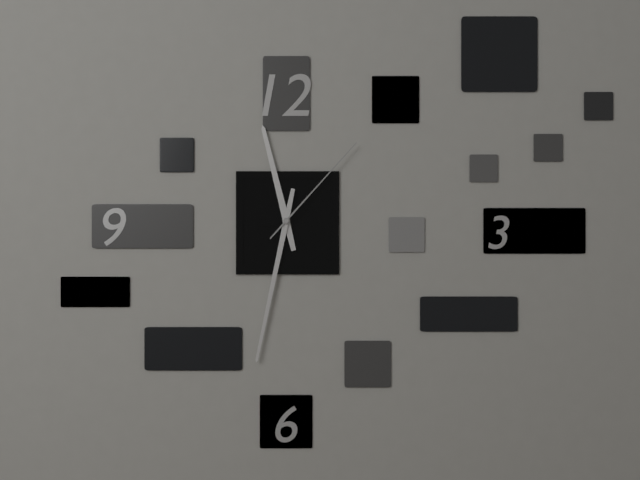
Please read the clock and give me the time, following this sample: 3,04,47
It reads 11,32,07
